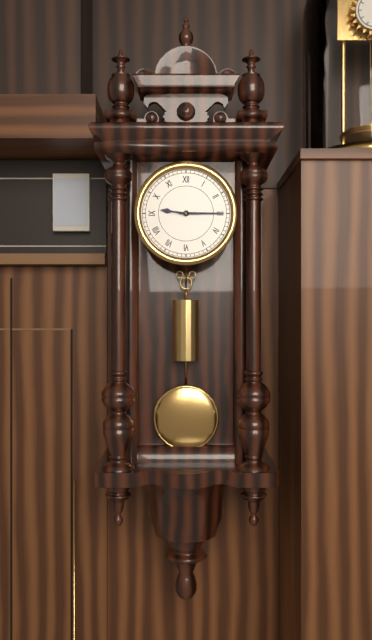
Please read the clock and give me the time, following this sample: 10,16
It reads 9,15
